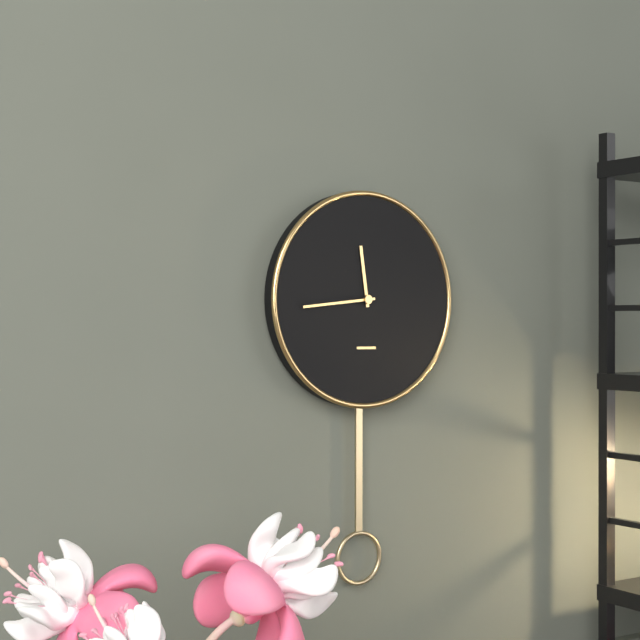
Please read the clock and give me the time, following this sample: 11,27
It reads 11,44
